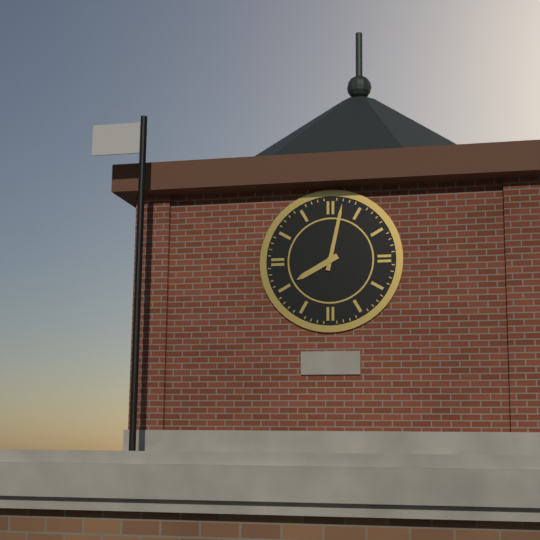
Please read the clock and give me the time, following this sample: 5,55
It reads 8,02
